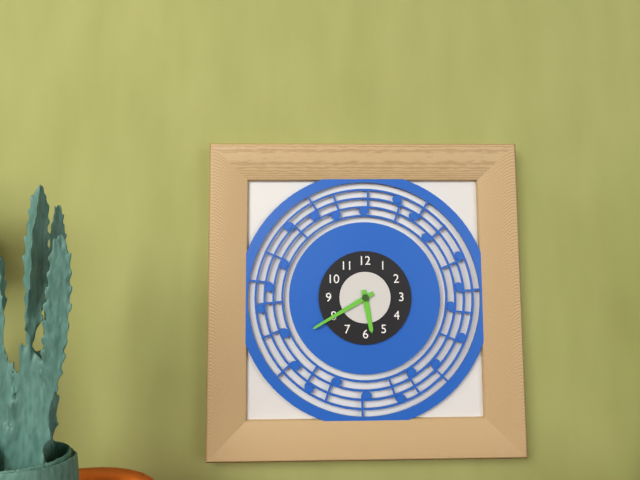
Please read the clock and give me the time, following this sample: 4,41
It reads 5,40
